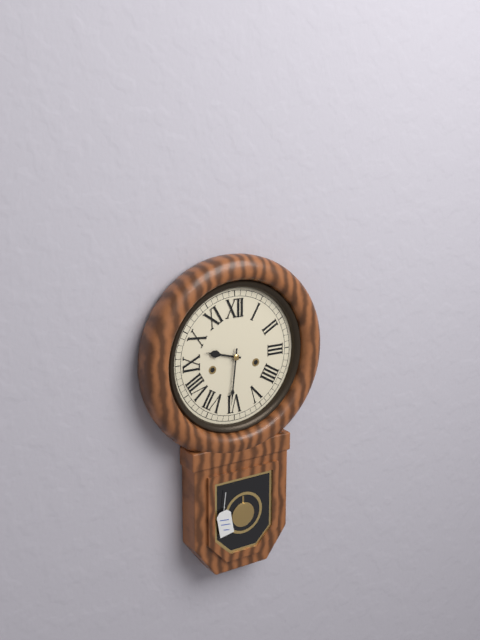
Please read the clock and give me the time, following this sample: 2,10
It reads 9,31
